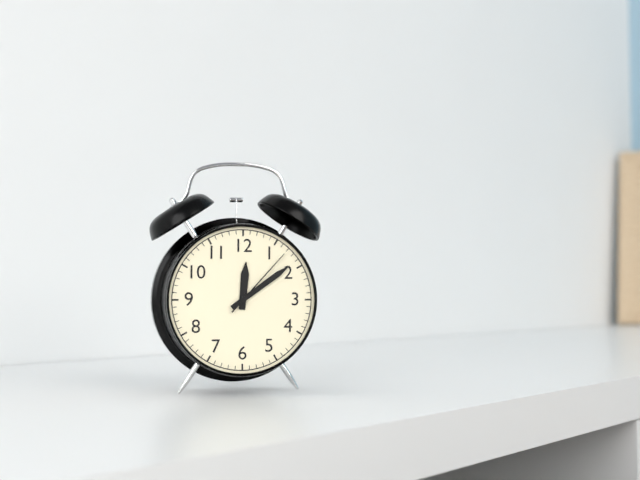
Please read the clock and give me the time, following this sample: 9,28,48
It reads 12,09,07
